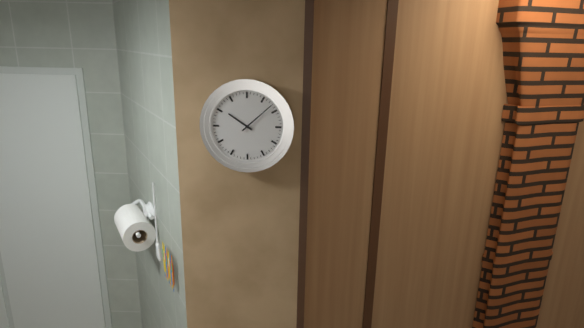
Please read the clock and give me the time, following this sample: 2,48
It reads 10,08
